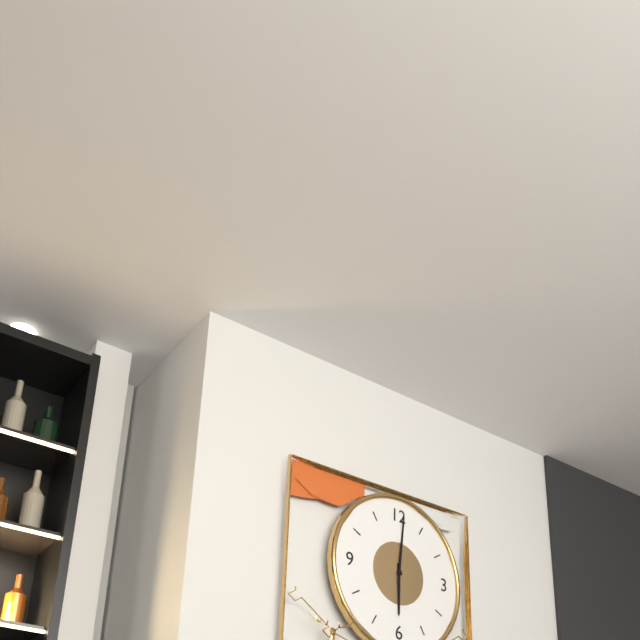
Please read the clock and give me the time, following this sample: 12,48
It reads 6,01
